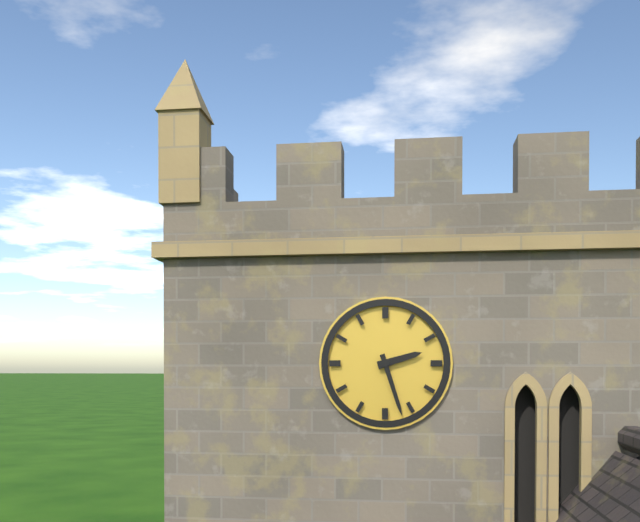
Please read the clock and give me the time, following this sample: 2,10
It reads 2,27
